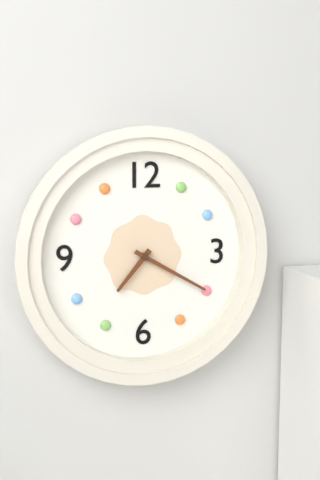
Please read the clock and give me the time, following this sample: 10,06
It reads 7,20
